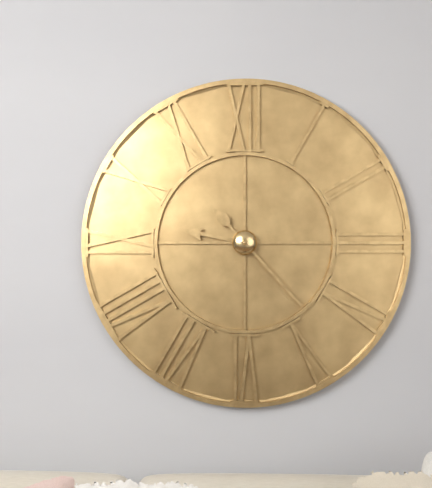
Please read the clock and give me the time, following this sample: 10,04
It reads 9,23
